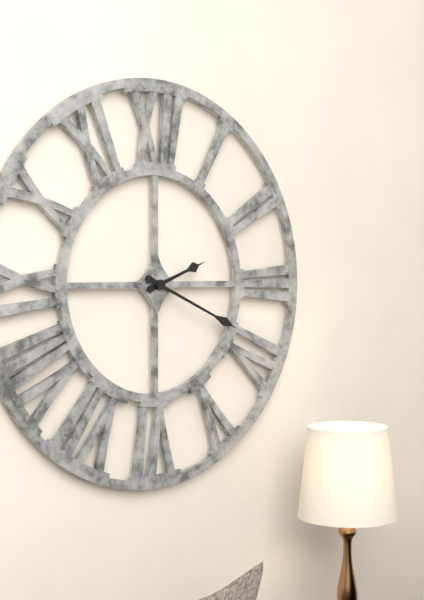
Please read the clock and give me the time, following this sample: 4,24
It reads 2,19
